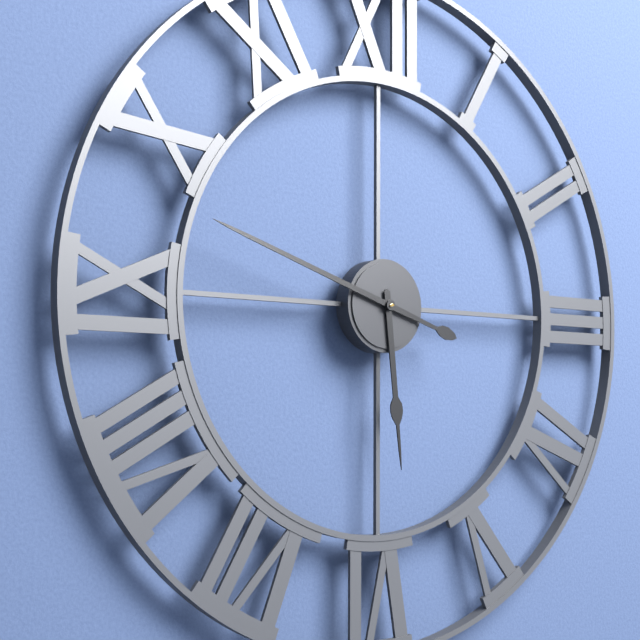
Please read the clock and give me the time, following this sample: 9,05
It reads 5,48
